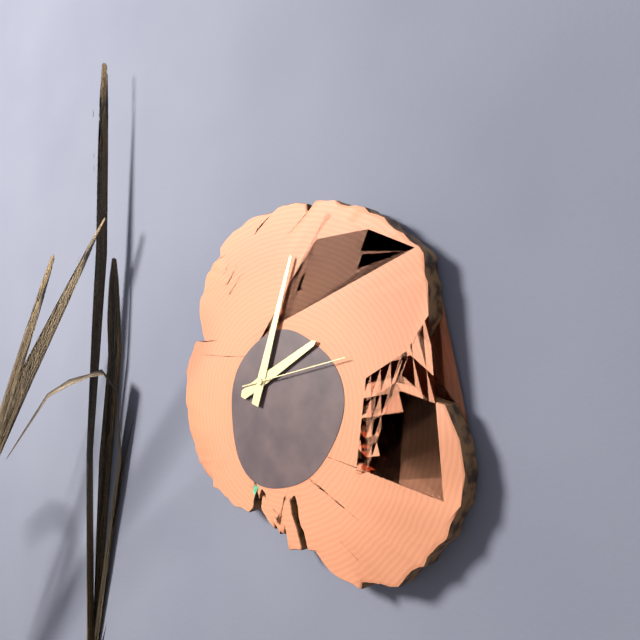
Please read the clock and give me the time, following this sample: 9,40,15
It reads 2,03,13
